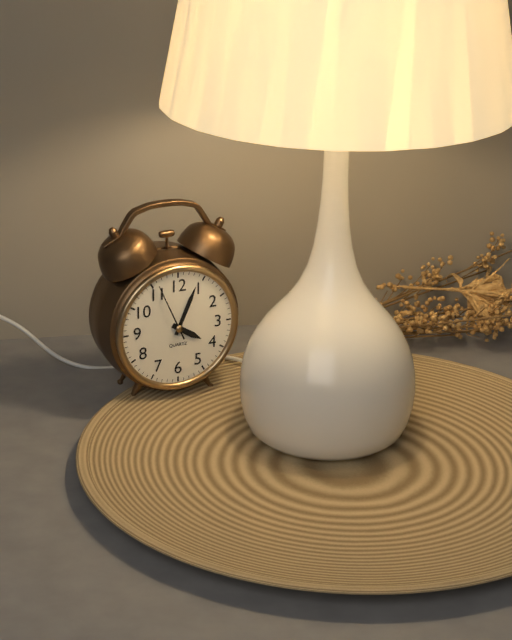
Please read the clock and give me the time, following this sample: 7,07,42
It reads 4,04,56
